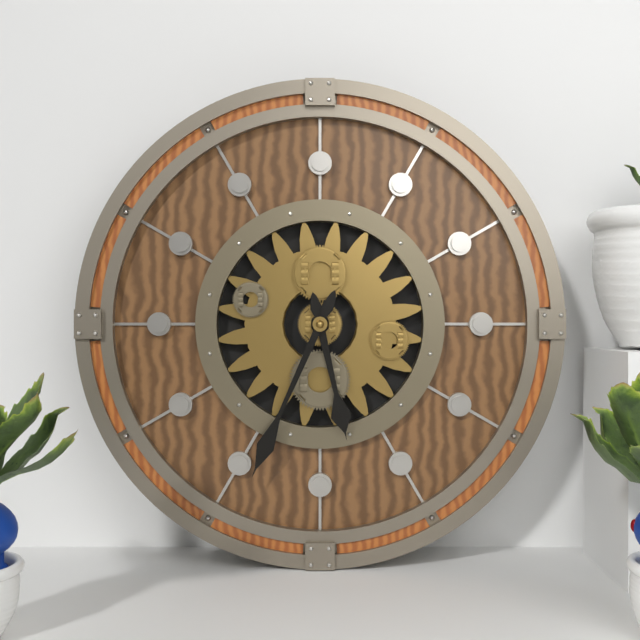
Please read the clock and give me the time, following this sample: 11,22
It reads 5,34
